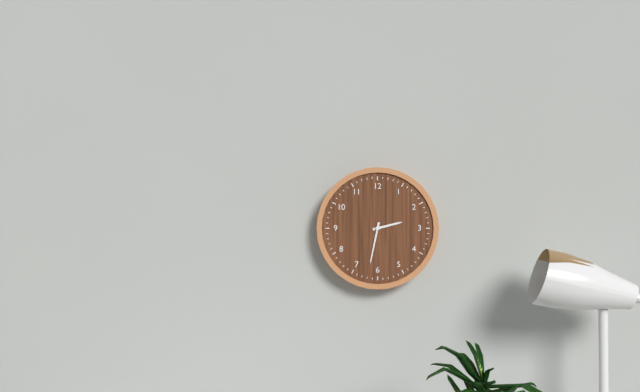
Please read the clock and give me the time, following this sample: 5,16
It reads 2,32
